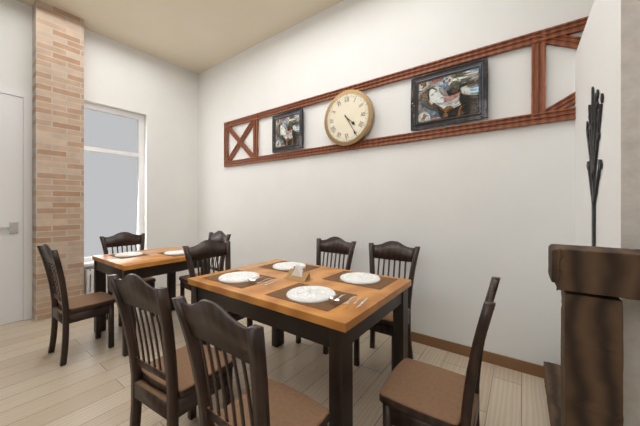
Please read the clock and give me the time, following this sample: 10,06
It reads 4,25
